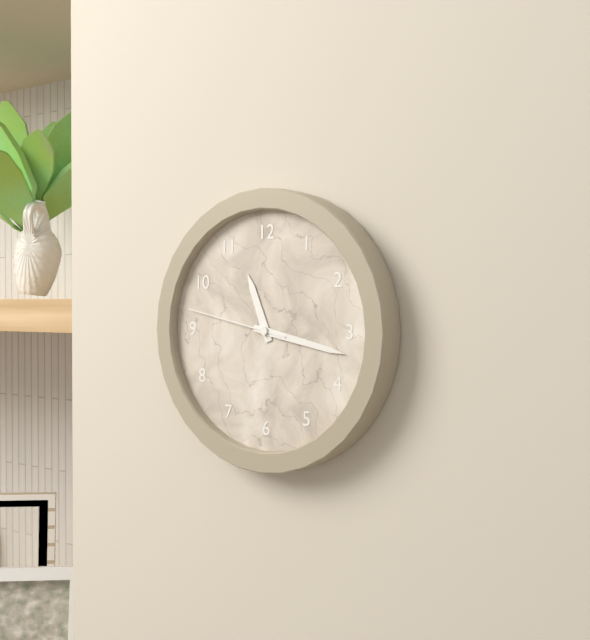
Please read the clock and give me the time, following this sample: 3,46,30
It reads 11,17,47
